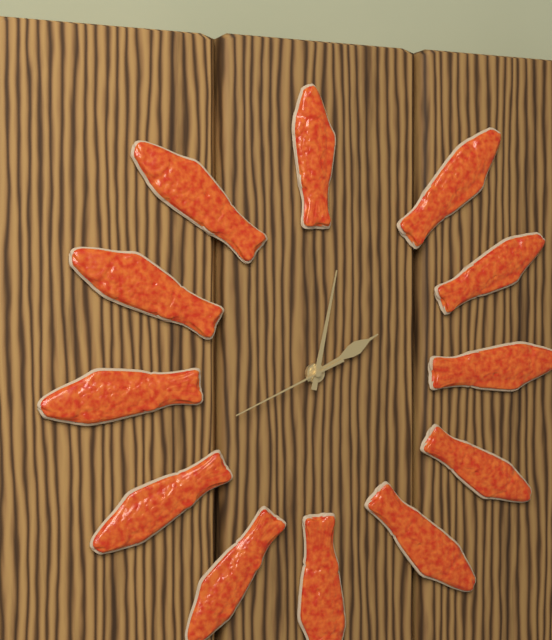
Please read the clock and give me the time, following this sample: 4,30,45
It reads 2,02,41
